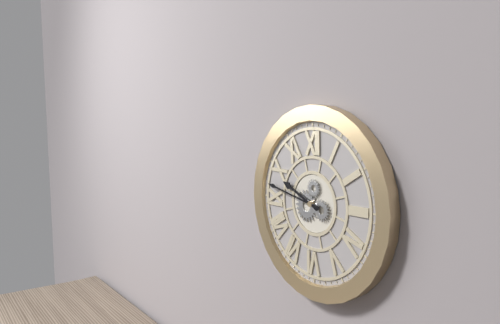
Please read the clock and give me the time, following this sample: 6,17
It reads 9,47
